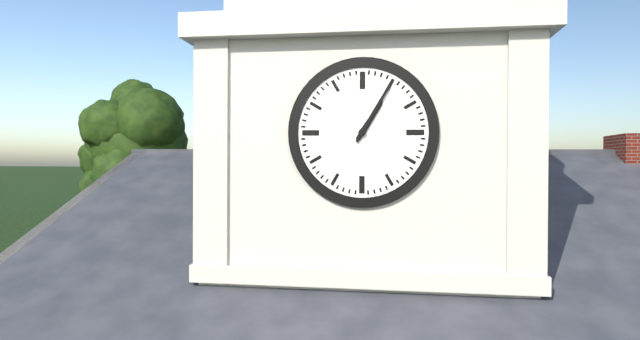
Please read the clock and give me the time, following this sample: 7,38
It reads 1,05
